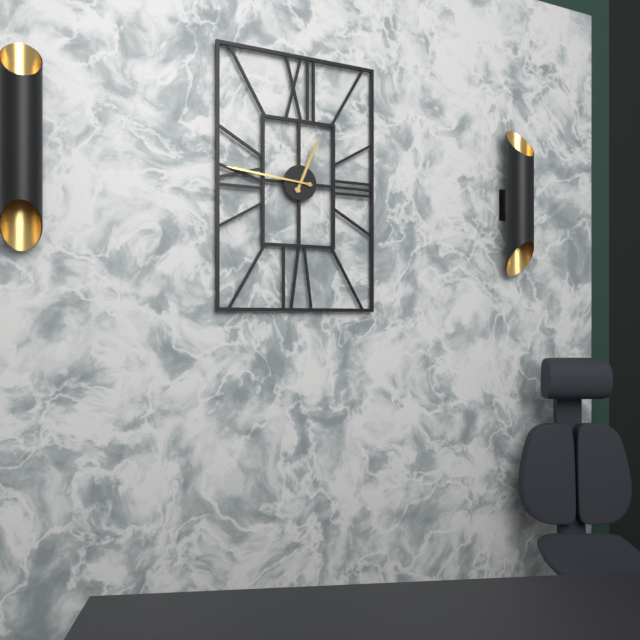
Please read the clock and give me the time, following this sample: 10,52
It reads 12,46
